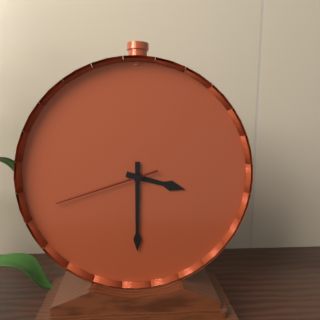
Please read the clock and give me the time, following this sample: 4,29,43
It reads 3,30,42
